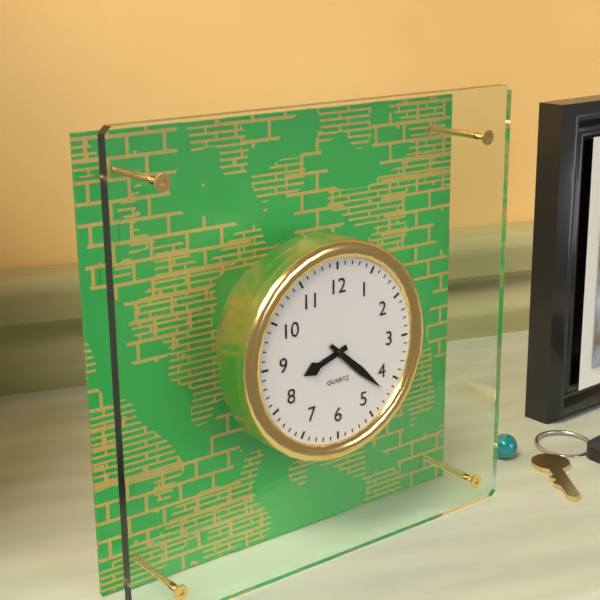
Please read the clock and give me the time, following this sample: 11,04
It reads 8,22
